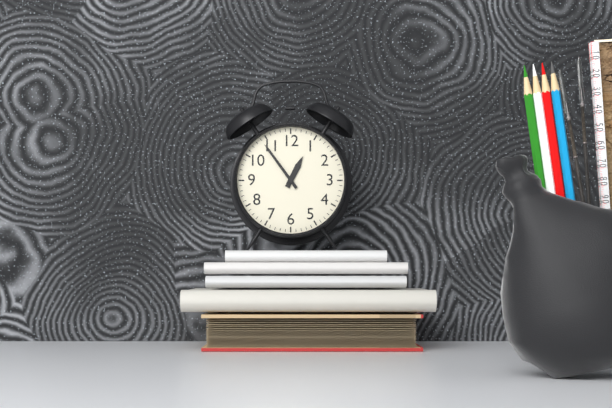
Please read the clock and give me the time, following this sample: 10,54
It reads 12,54
